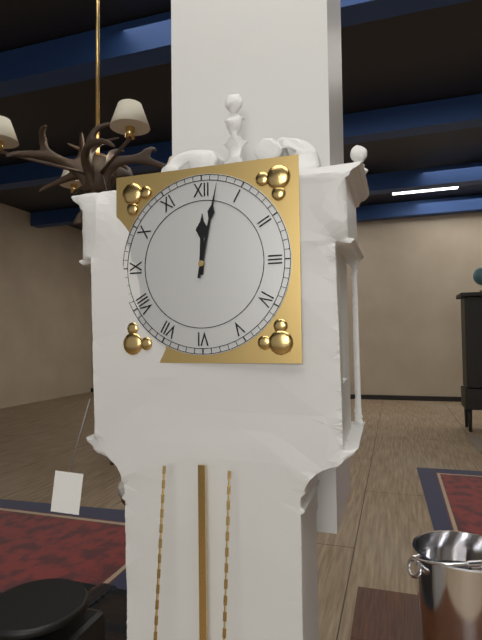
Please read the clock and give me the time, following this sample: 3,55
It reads 12,02
